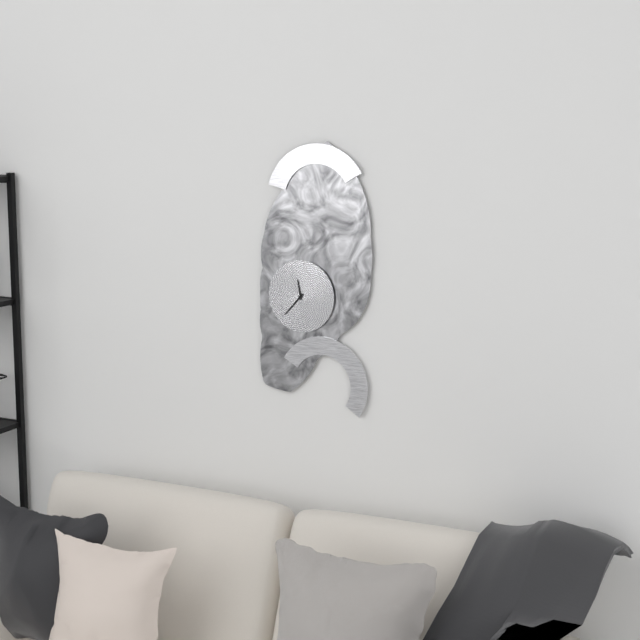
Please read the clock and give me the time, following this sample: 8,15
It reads 11,37
